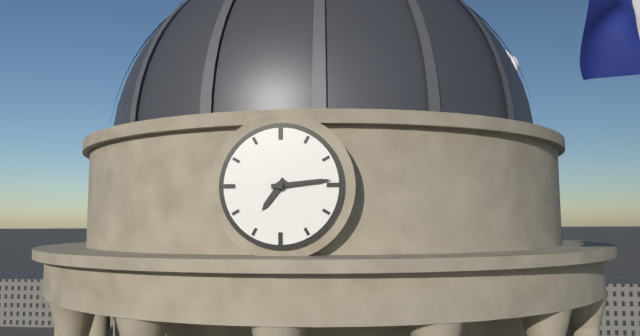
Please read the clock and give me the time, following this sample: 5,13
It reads 7,14
